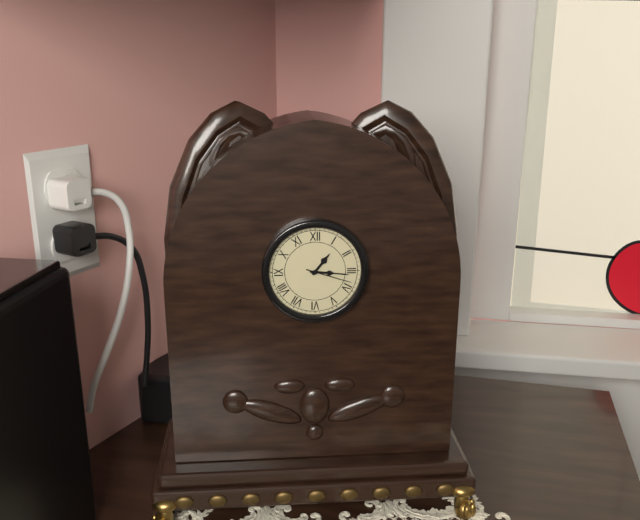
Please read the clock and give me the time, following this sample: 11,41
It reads 1,16
